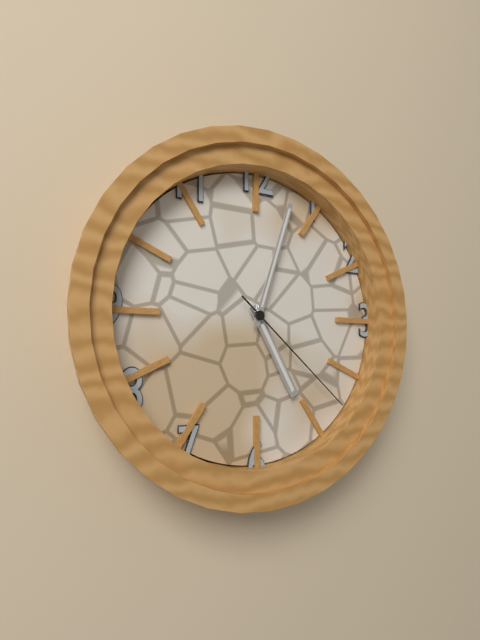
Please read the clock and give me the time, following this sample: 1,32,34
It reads 5,03,22
